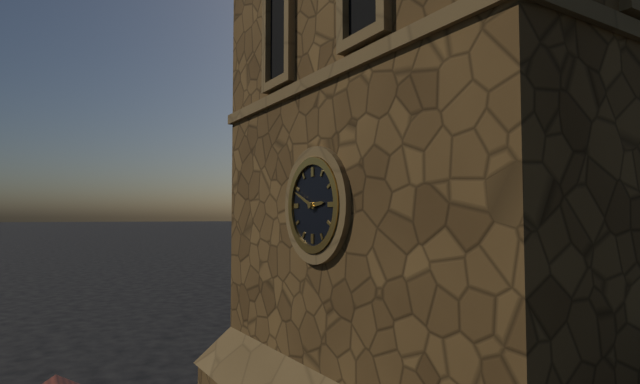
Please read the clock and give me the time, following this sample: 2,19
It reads 2,49
